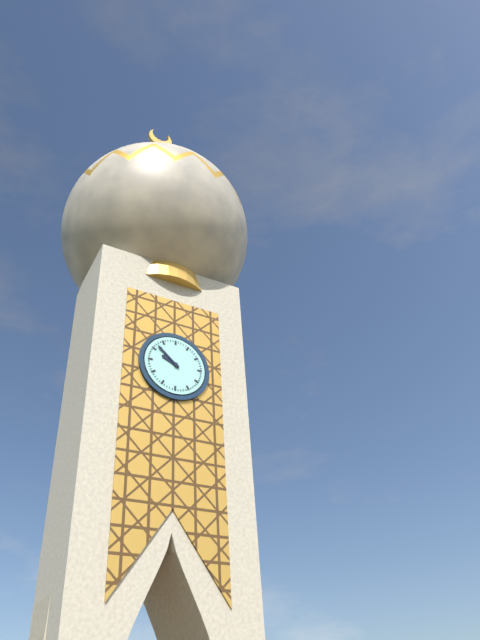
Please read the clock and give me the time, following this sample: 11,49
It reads 9,52
